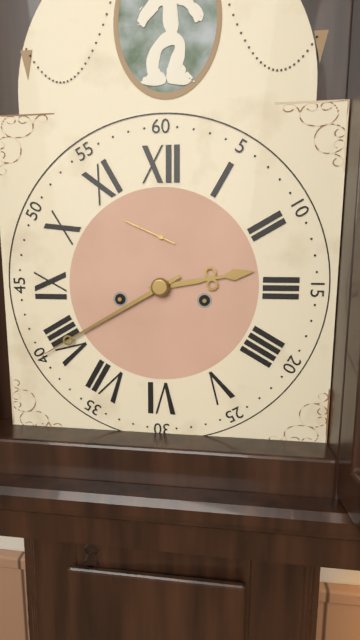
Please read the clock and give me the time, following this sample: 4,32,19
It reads 2,40,49
